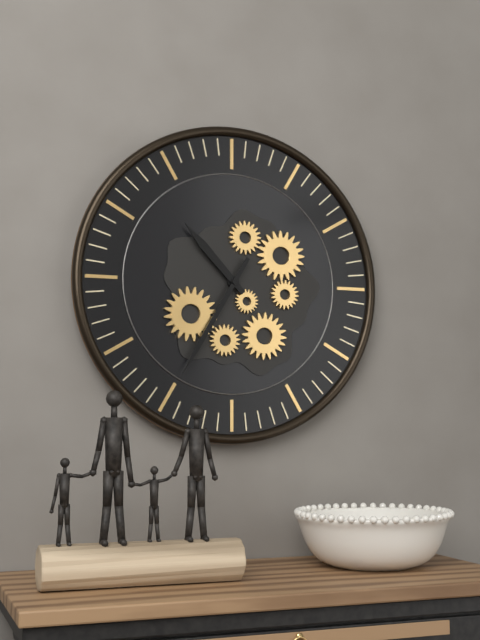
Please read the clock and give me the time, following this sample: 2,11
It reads 10,35
